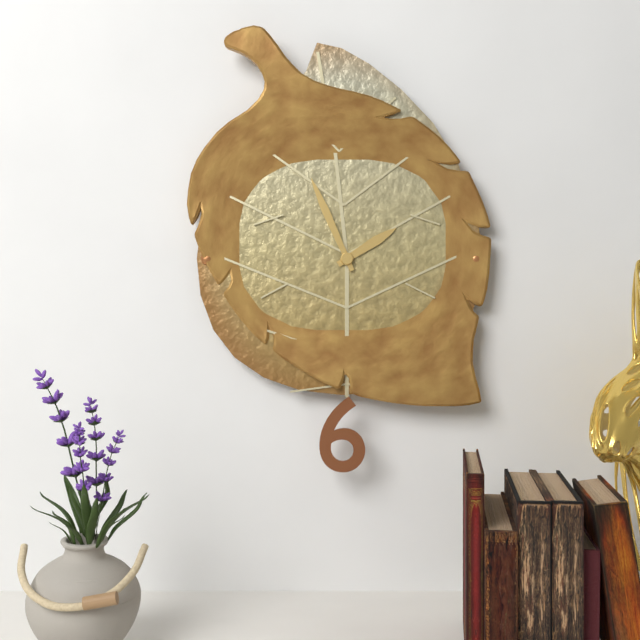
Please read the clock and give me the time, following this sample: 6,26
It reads 1,56
